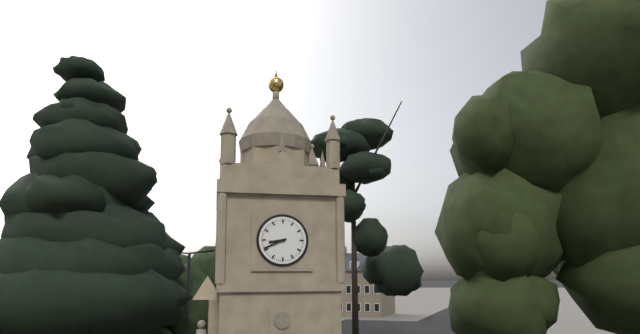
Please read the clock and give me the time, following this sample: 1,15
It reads 8,41
